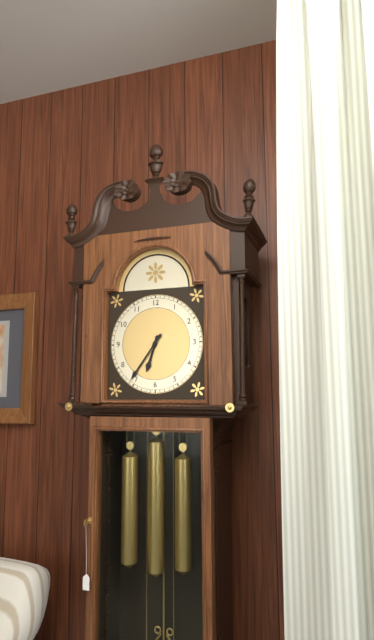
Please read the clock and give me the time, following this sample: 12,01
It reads 6,36
